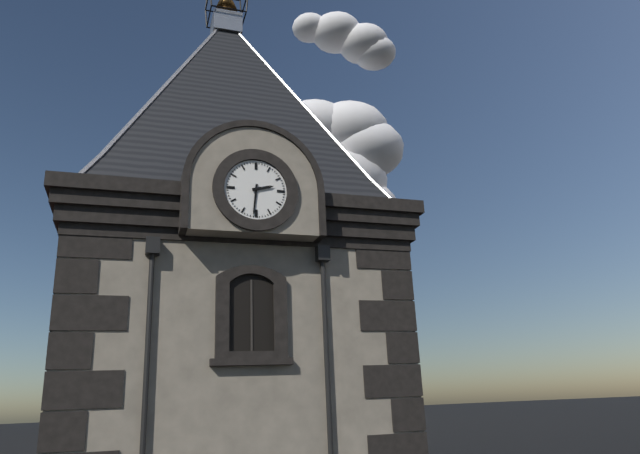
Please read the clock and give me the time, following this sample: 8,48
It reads 2,31
